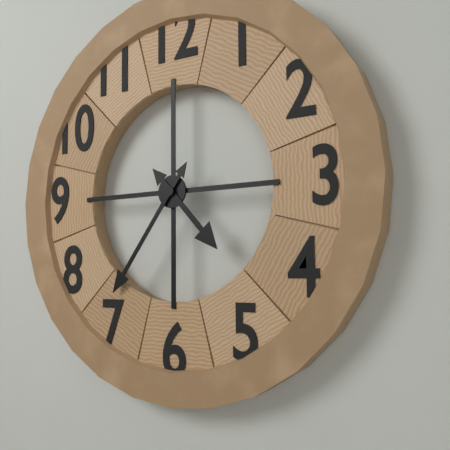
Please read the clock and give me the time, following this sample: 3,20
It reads 4,36
